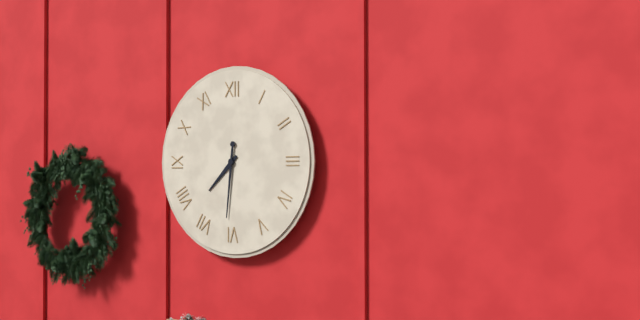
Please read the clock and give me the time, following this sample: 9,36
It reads 7,31
